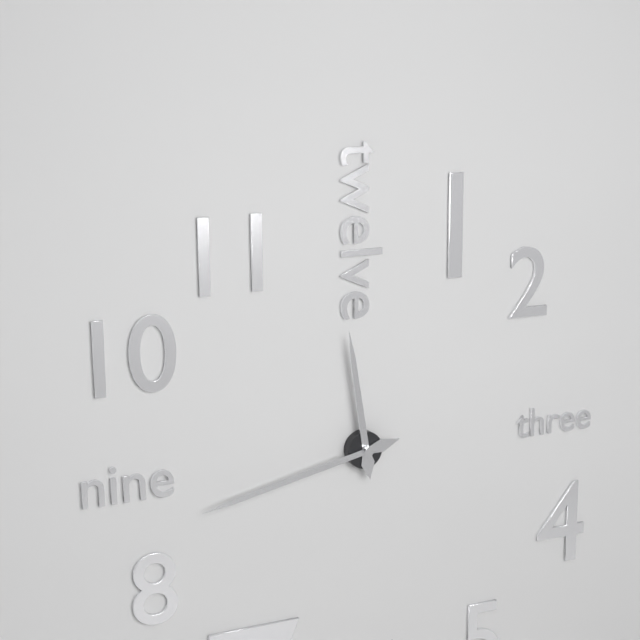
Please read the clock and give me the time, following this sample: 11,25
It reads 11,43
